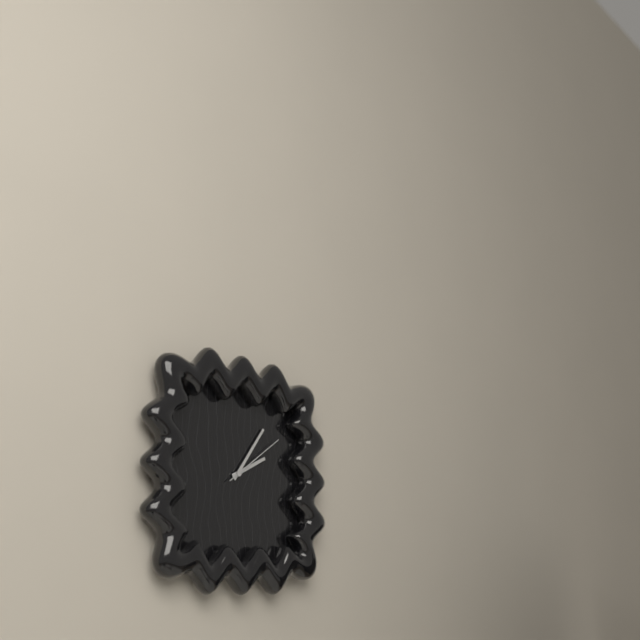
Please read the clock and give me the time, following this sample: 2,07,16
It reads 2,06,09
